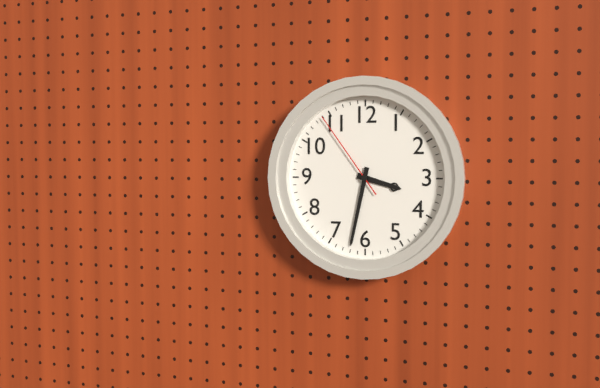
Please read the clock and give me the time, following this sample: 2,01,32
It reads 3,32,54
